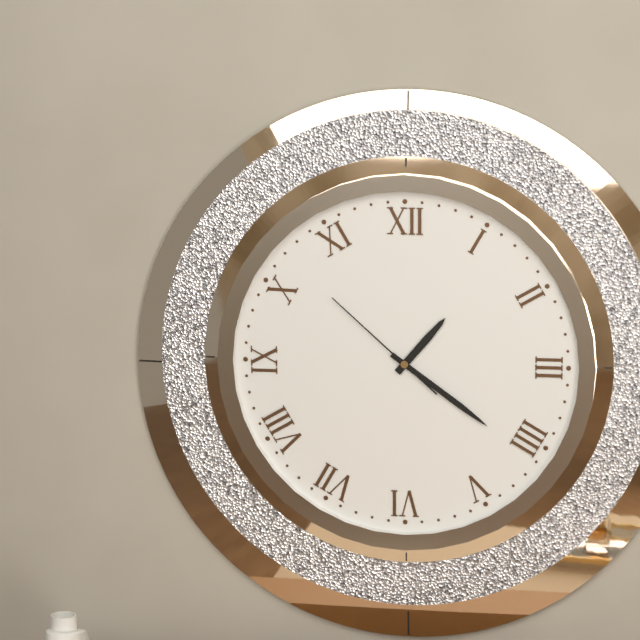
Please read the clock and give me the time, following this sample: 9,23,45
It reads 1,21,52
